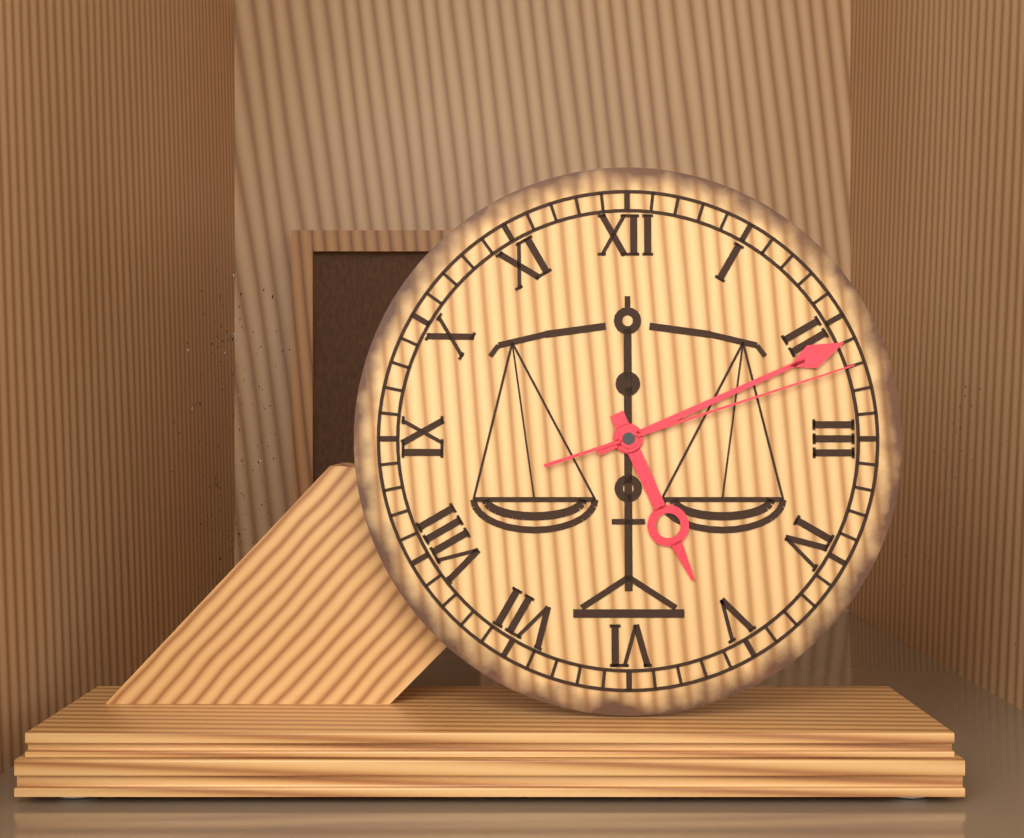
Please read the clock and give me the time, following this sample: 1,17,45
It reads 5,11,12
